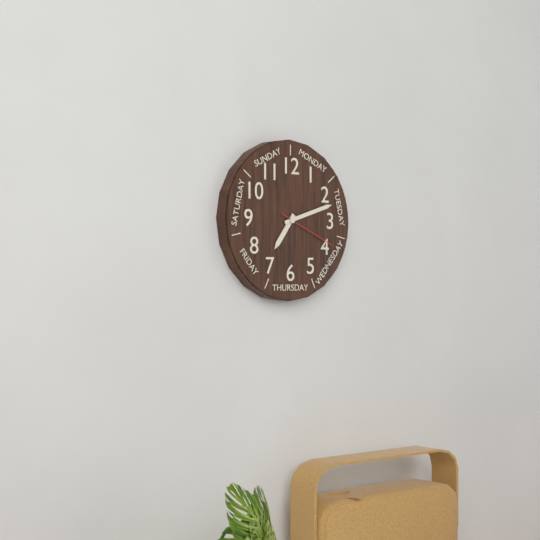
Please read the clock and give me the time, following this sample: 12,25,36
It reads 7,12,19
